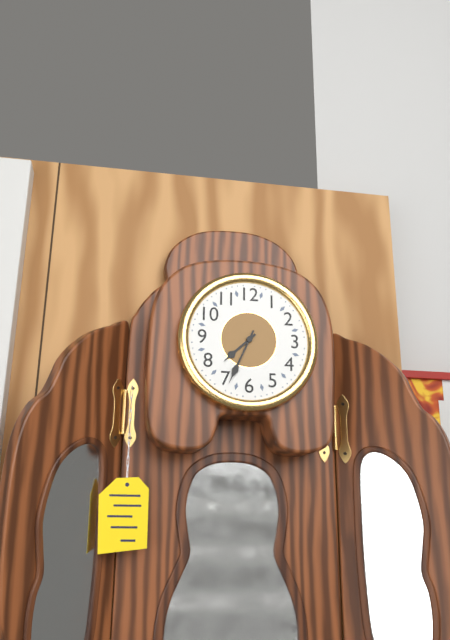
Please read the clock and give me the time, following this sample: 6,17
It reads 7,34
